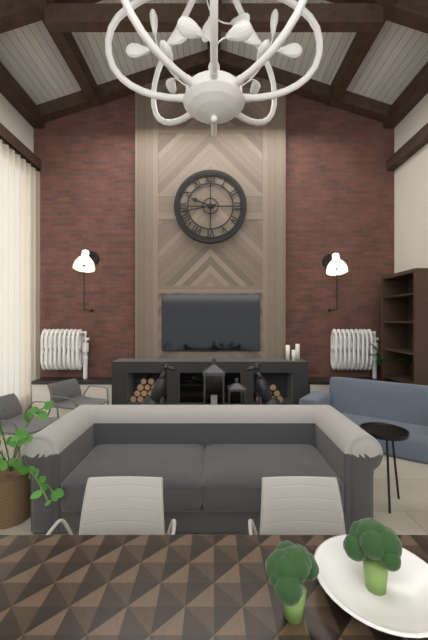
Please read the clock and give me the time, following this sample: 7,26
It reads 9,43
